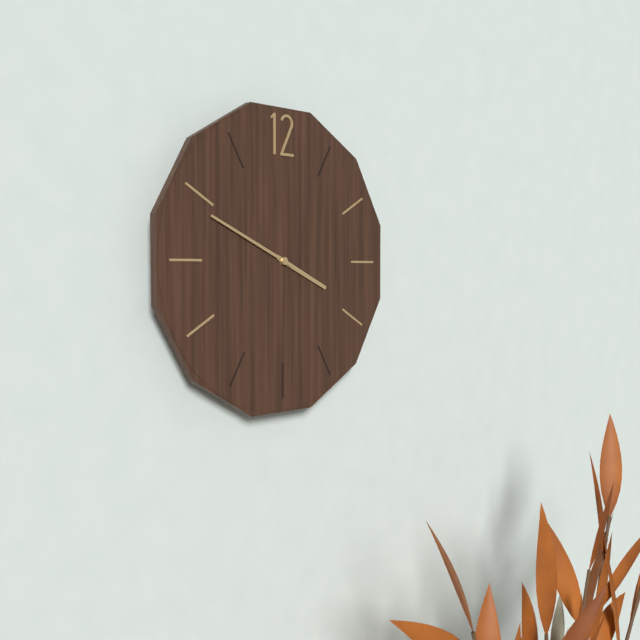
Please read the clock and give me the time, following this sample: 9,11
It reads 3,49
